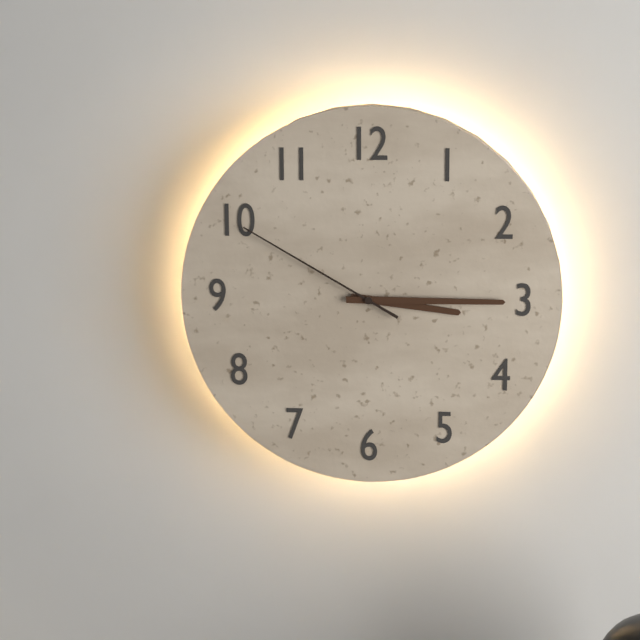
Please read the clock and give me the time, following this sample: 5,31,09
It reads 3,15,50
